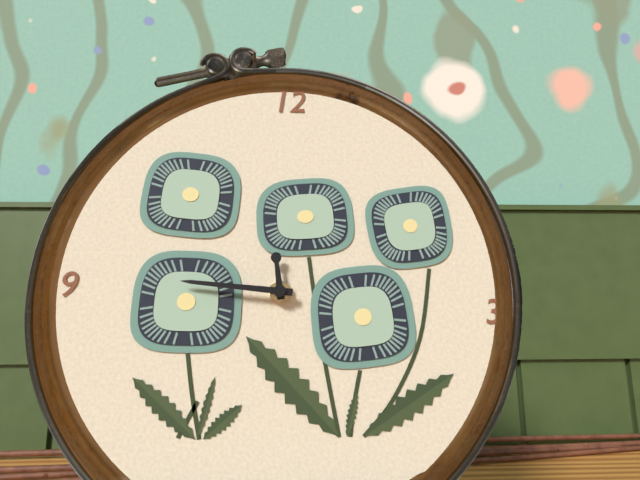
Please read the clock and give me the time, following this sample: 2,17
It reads 11,46
